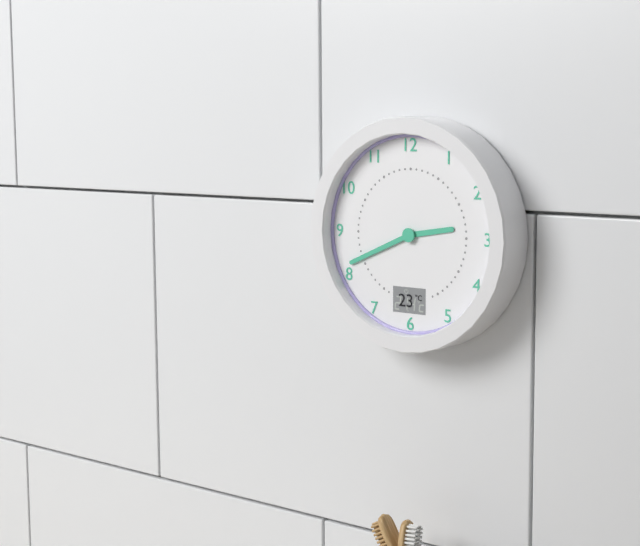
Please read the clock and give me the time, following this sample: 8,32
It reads 2,41
